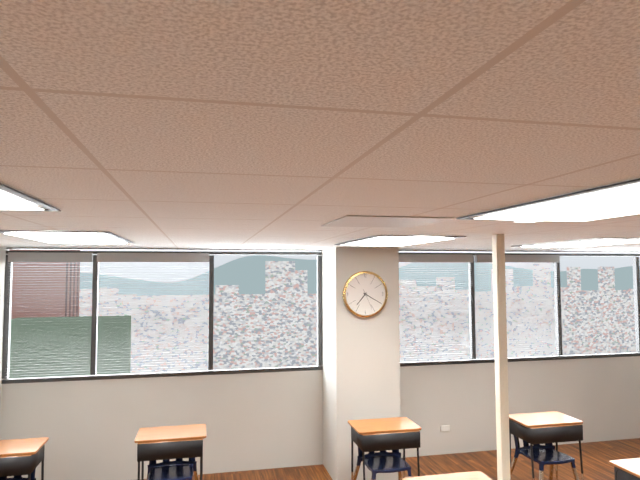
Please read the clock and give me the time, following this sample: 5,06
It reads 7,20
